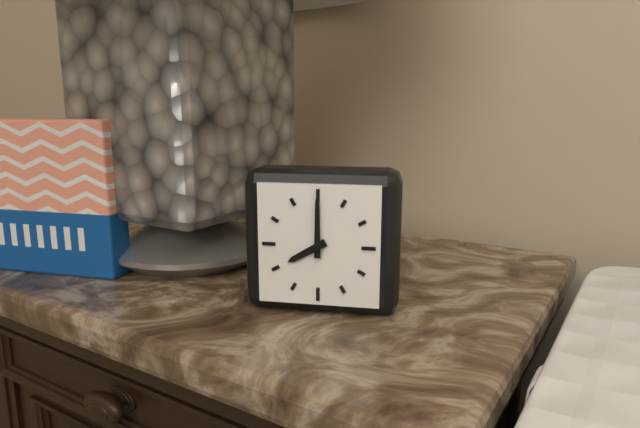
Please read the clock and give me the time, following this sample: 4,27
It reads 8,00
